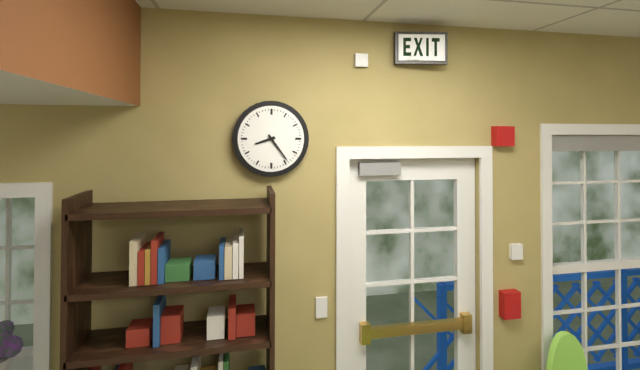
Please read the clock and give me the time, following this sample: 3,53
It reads 8,24
